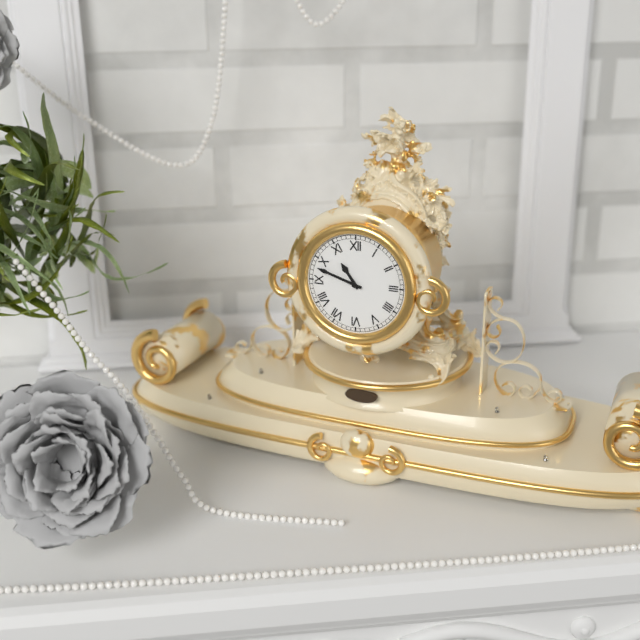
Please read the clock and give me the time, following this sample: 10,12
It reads 10,48
